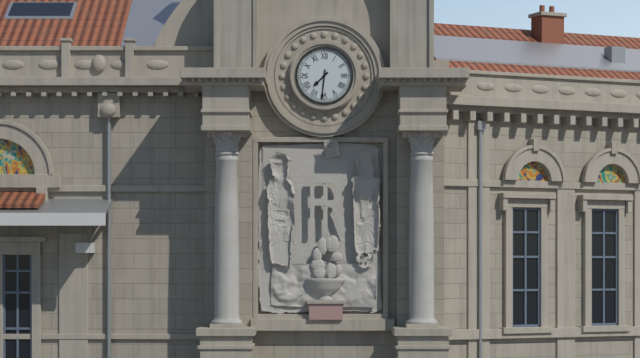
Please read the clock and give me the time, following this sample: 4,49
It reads 7,31
